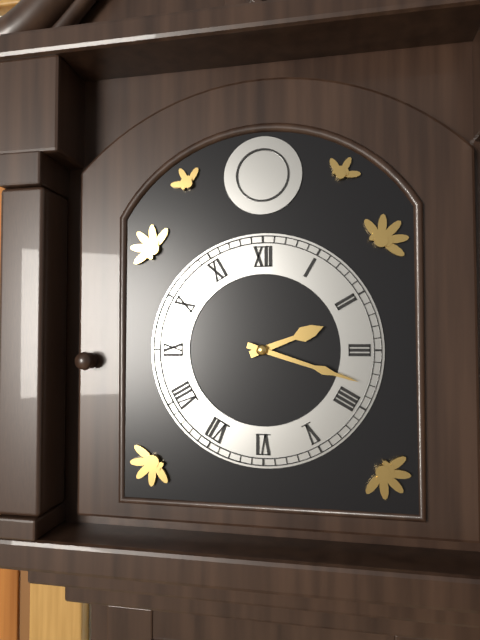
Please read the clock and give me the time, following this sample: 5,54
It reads 2,18
